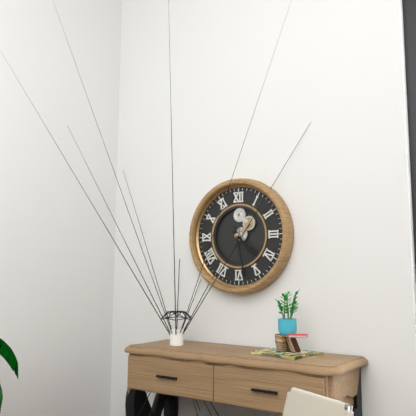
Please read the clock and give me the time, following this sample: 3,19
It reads 4,28
